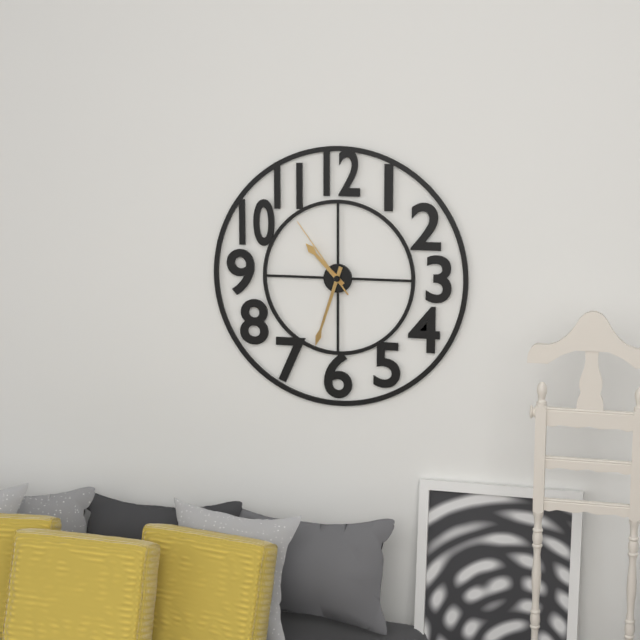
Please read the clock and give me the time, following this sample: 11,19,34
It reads 10,33,54
